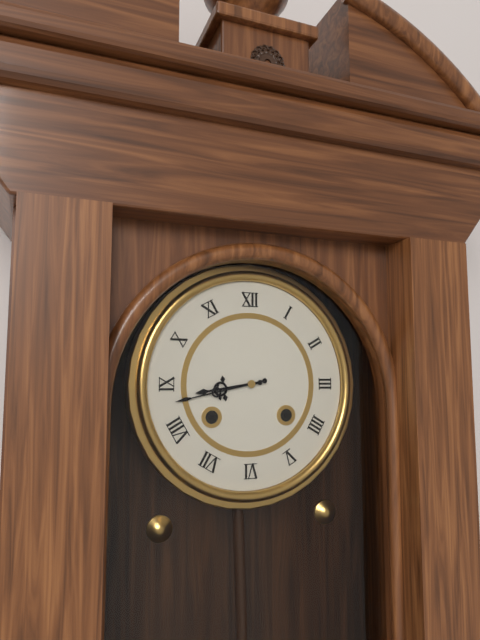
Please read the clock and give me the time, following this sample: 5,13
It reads 8,43
